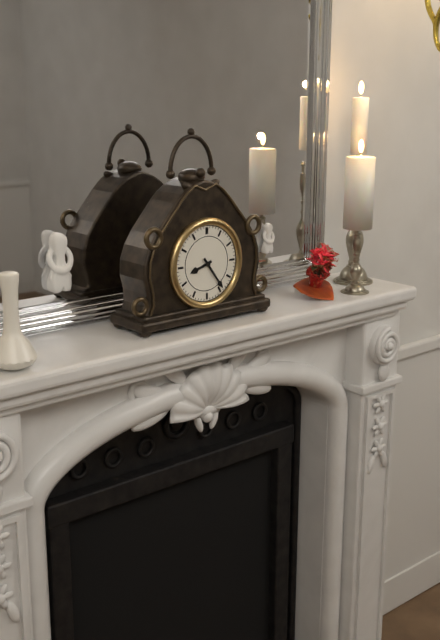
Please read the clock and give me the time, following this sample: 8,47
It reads 8,24
